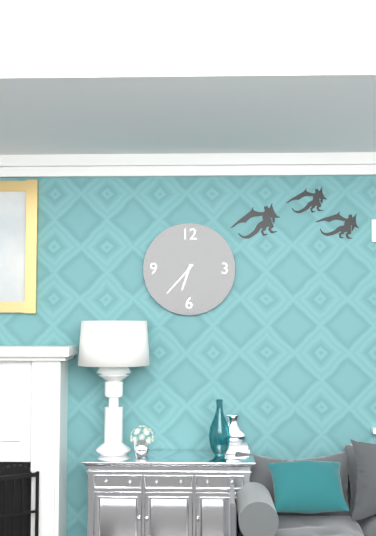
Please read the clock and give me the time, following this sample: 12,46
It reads 6,37
